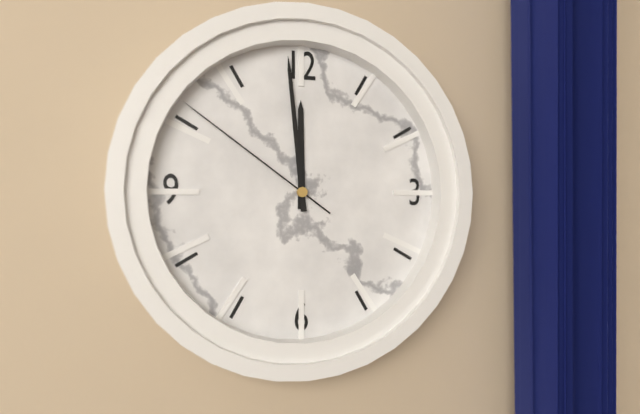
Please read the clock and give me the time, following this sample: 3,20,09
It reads 11,59,51
